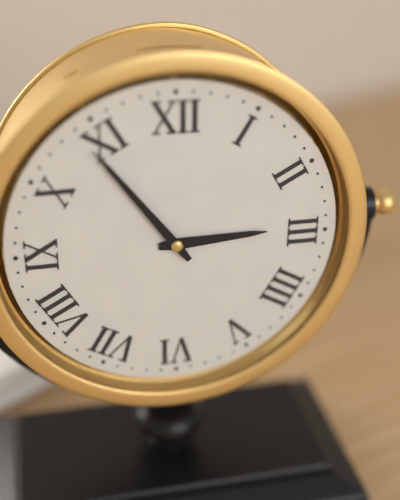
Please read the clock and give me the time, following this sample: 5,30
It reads 2,54
